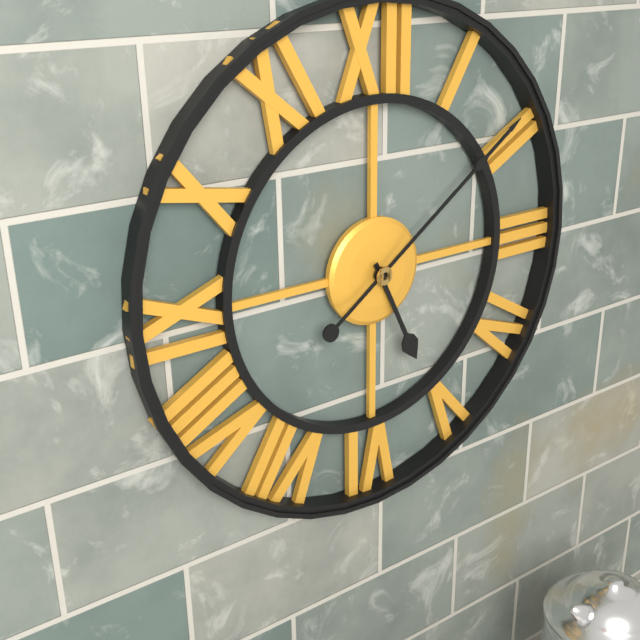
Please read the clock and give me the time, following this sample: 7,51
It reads 5,09
